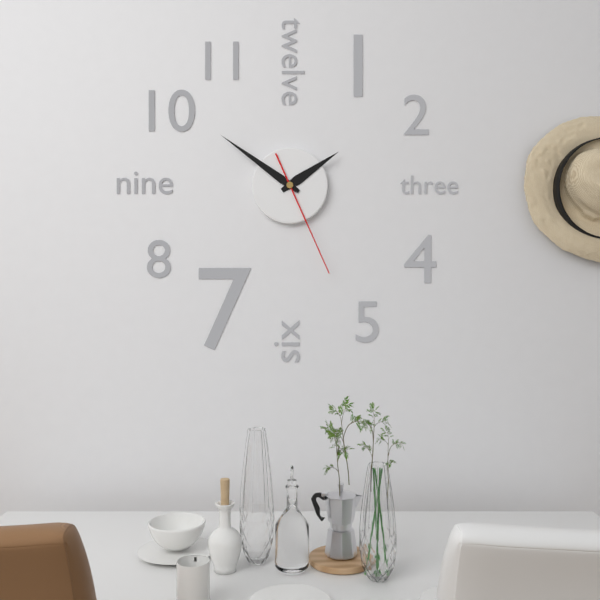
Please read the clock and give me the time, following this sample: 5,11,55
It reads 1,51,26
